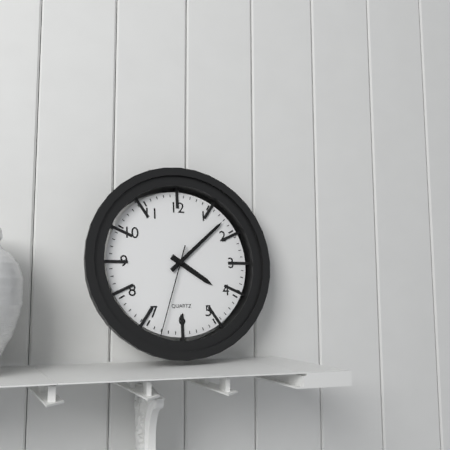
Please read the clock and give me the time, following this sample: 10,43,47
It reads 4,08,33
